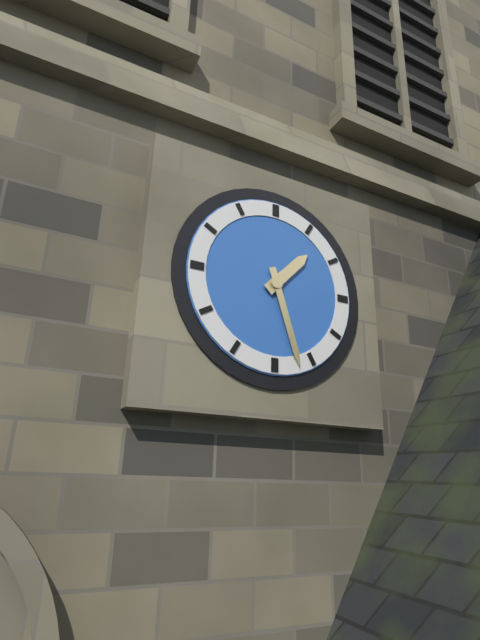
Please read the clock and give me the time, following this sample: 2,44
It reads 1,27
